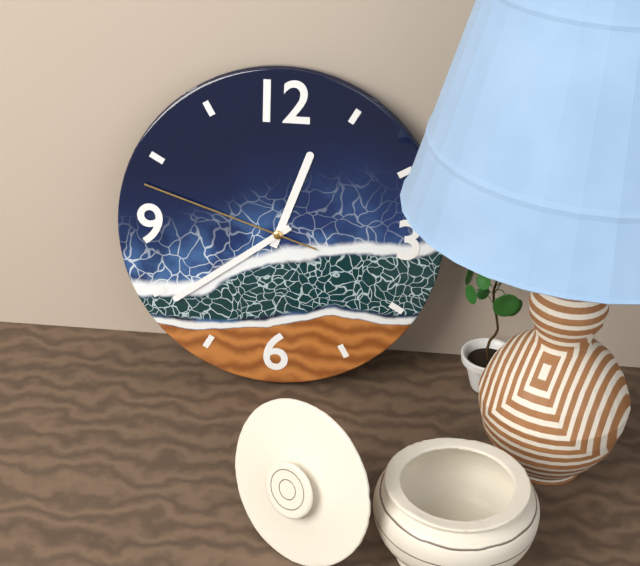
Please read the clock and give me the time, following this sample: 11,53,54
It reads 12,39,48
